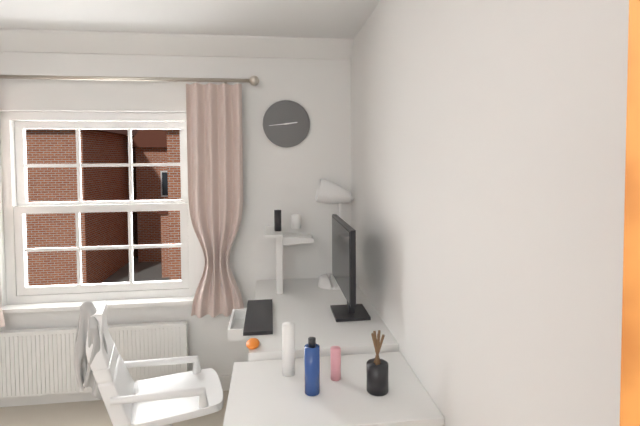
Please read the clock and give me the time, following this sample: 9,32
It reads 2,44
